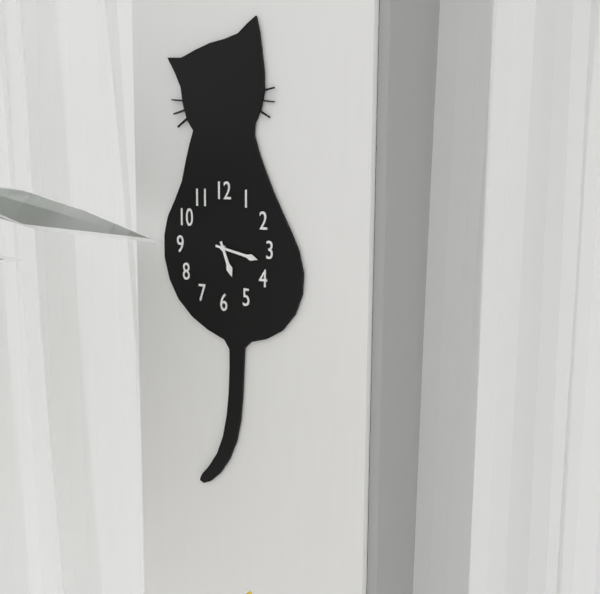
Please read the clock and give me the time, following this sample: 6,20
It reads 5,17
